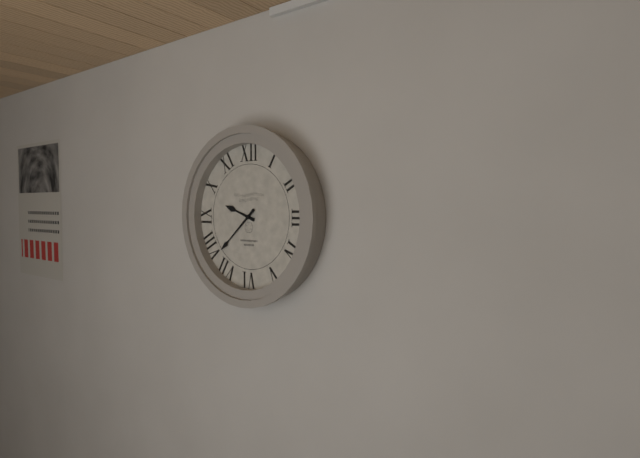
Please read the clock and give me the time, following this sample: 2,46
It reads 9,38
